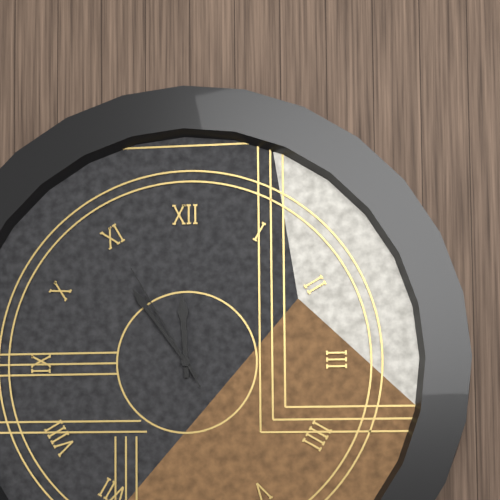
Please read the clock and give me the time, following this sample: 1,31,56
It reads 11,54,55
